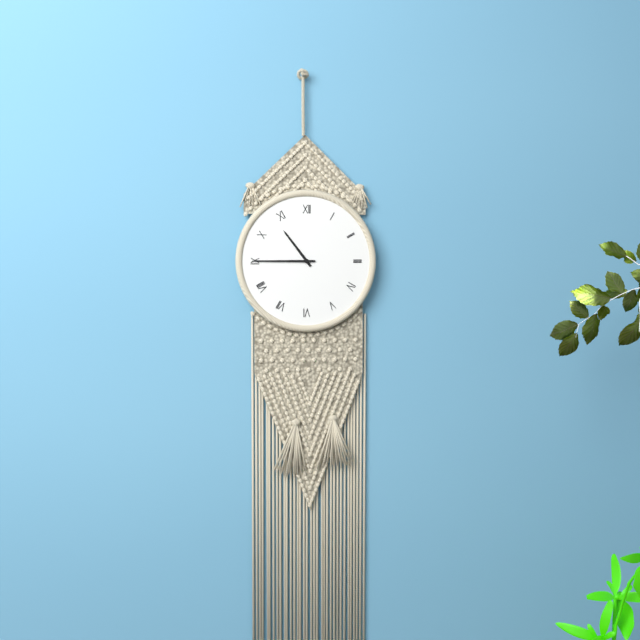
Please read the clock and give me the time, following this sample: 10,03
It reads 10,45
